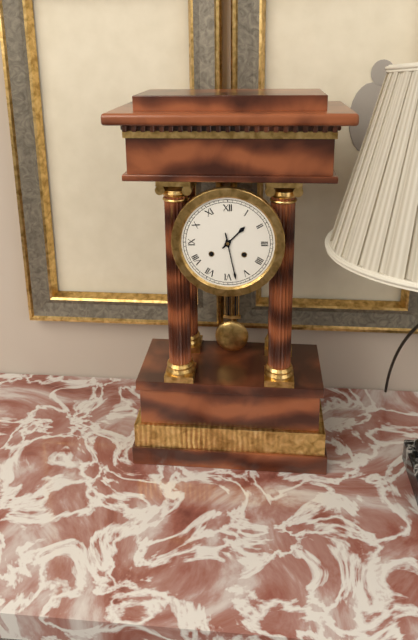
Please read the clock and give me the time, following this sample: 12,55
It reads 1,28
